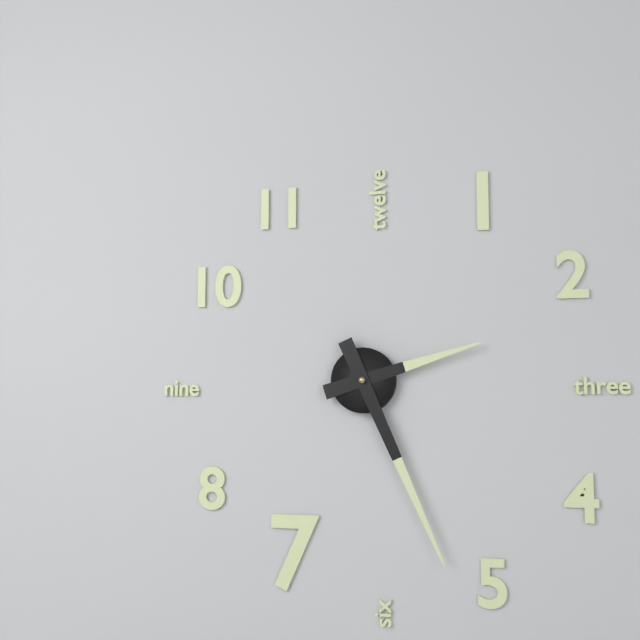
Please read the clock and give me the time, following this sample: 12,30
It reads 2,26
